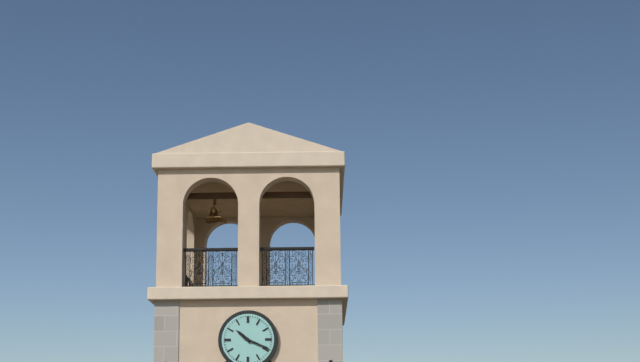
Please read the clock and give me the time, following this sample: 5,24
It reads 10,19
